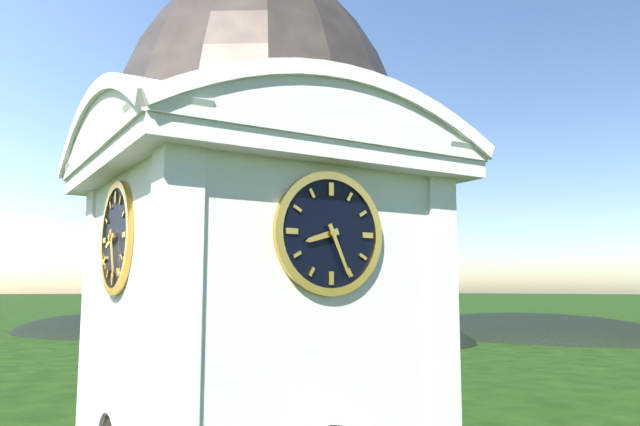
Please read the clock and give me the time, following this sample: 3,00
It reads 8,26
